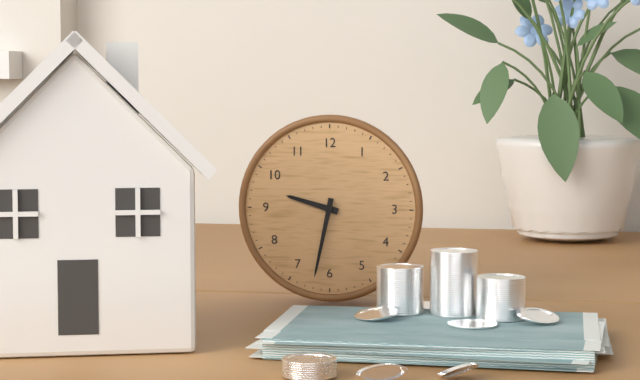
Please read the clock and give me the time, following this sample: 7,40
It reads 9,32
